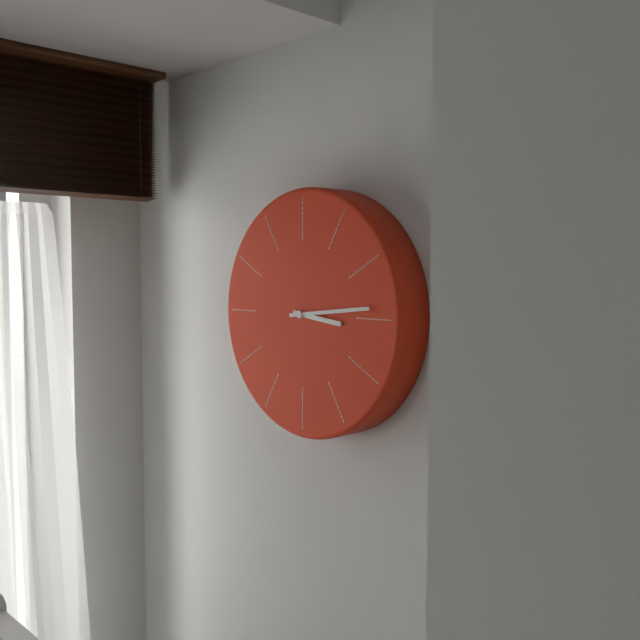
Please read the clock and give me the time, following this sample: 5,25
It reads 3,14
